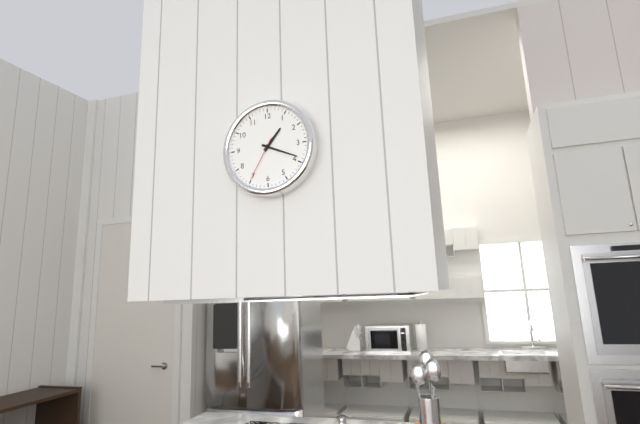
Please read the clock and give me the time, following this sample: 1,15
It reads 1,19
